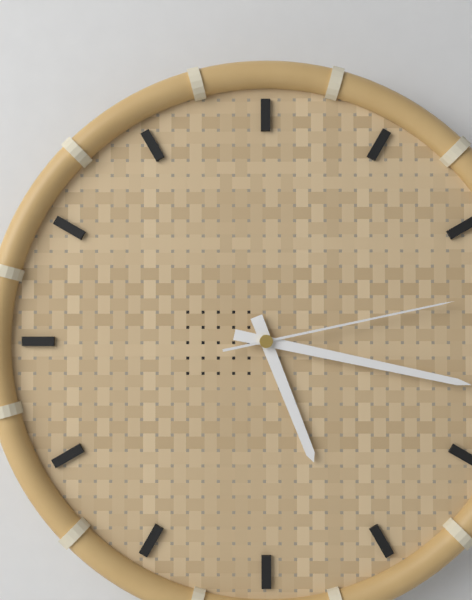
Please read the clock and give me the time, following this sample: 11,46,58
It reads 5,17,13
